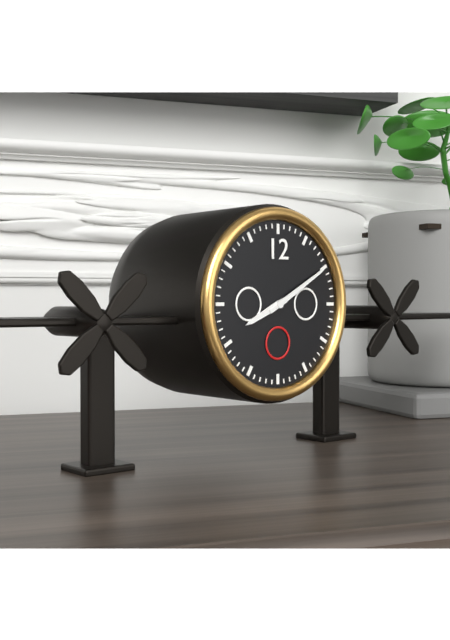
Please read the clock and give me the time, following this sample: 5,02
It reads 8,10
